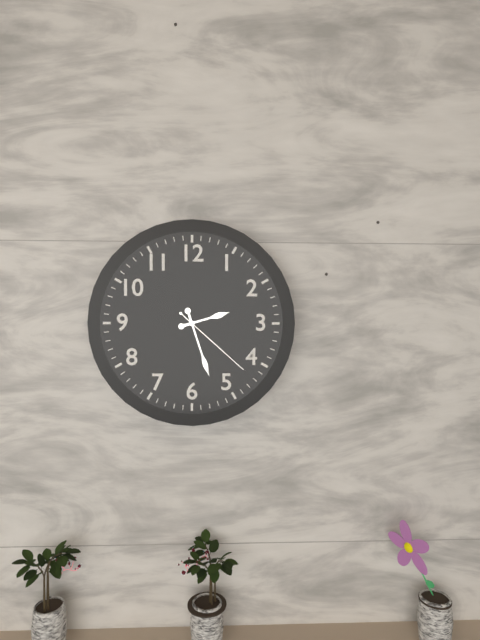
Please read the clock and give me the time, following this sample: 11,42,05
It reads 2,27,22
